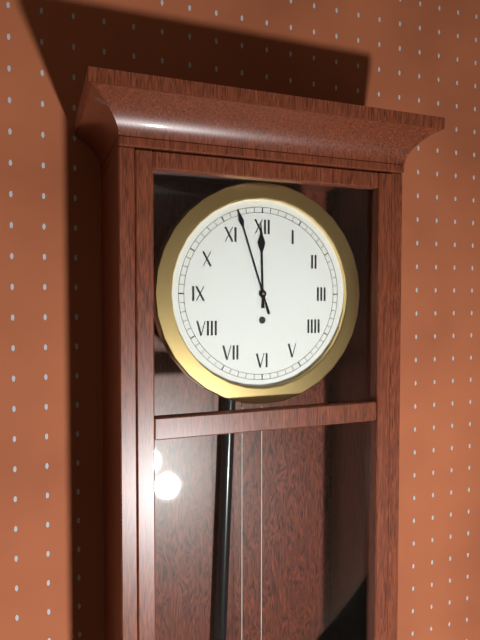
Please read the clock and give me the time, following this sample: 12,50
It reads 11,57
